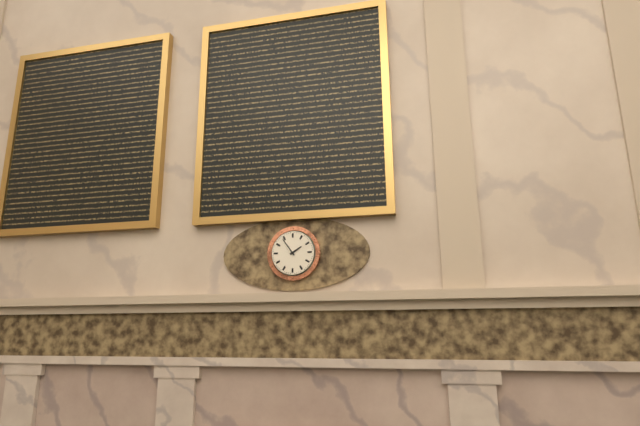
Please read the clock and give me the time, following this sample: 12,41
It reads 1,54
